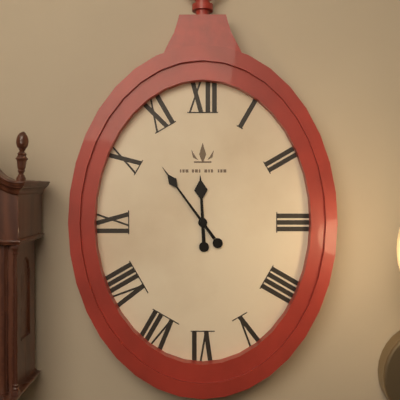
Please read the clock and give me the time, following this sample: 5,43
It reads 11,54
